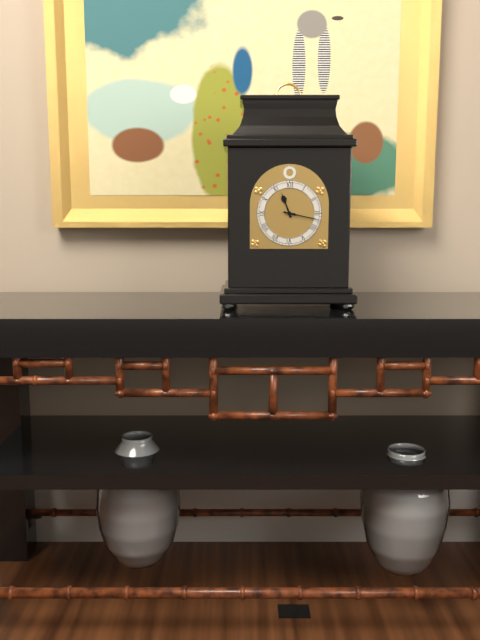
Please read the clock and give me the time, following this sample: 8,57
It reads 11,17
